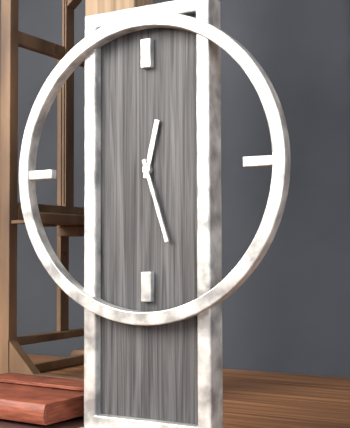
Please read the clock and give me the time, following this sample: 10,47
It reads 12,27
